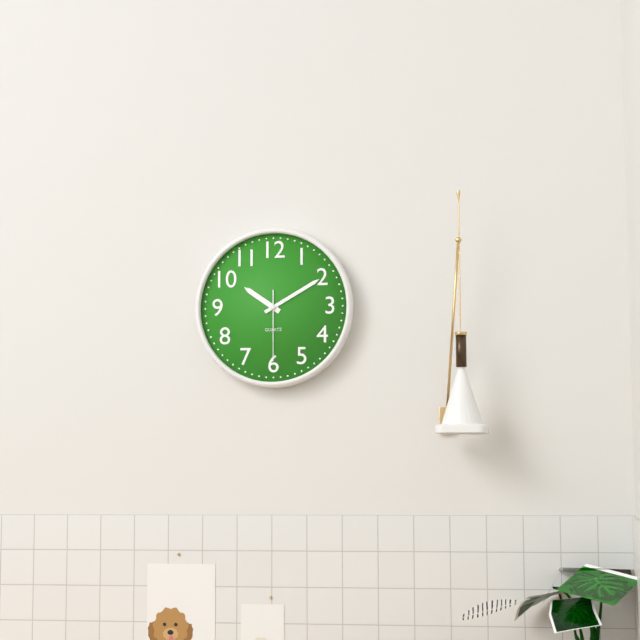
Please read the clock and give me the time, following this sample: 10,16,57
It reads 10,10,30
